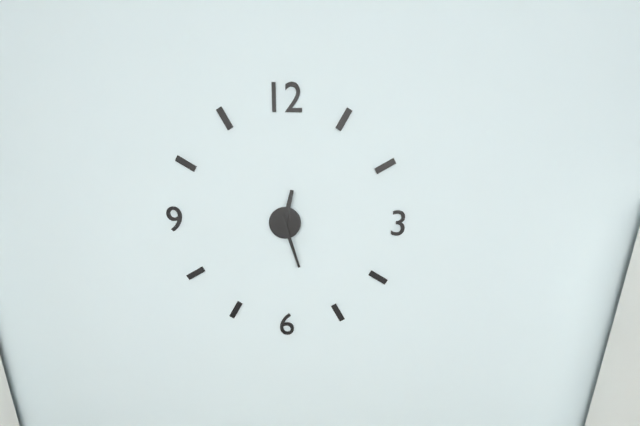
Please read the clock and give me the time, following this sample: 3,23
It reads 12,27
